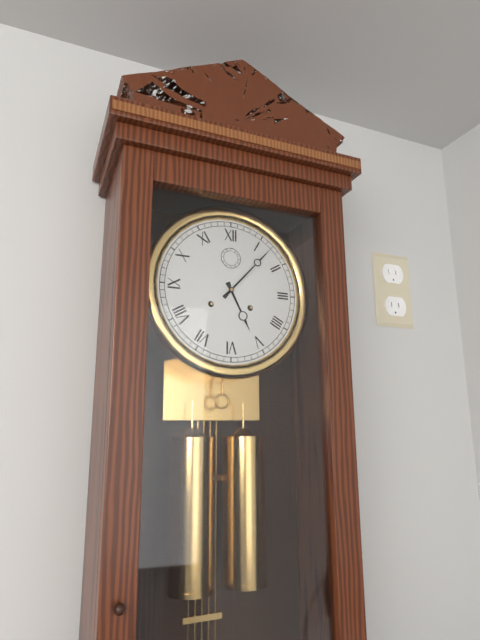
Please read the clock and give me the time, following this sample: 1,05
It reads 5,07
